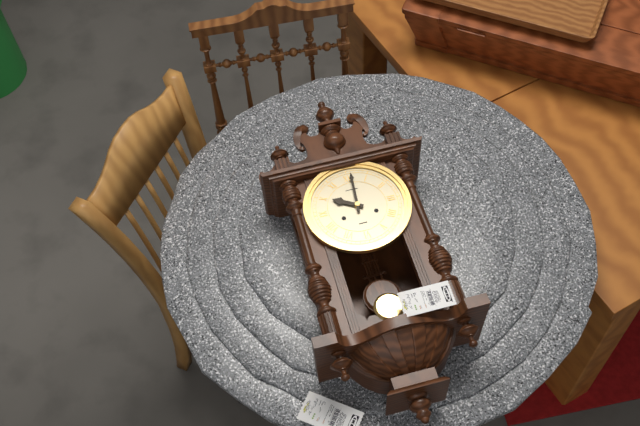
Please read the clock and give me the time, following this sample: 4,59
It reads 10,01
